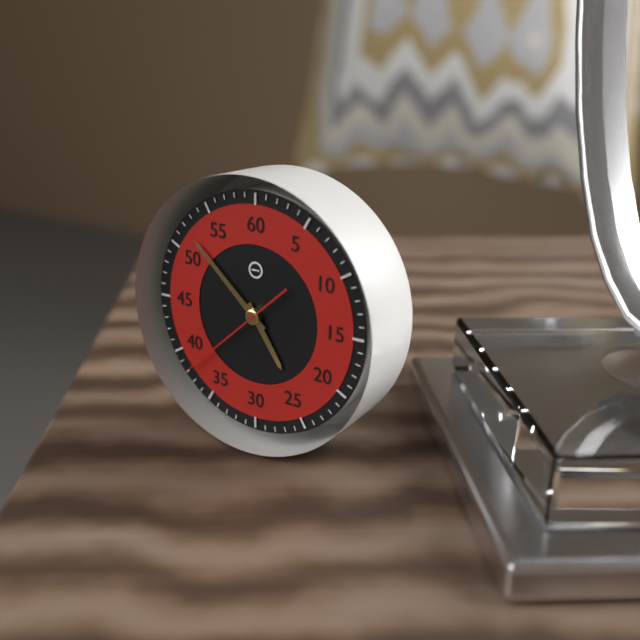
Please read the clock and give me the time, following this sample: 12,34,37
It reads 4,52,38
